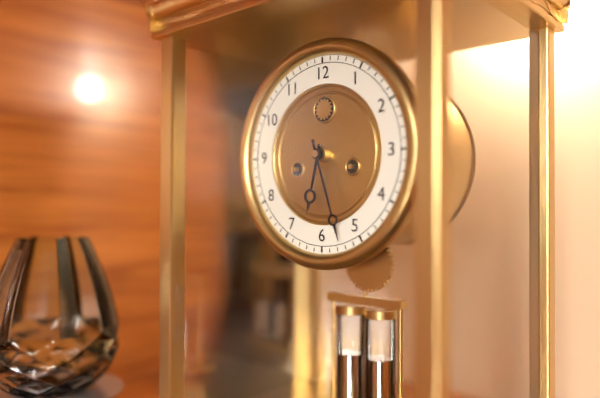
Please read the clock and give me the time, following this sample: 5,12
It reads 6,27
